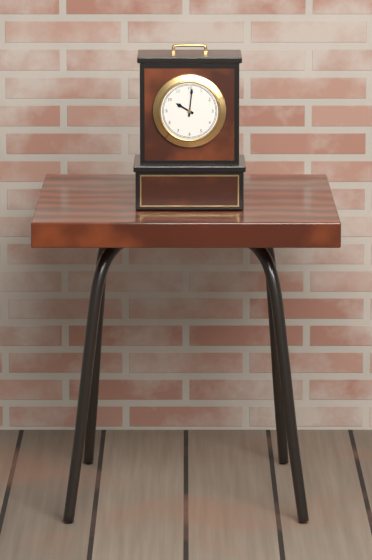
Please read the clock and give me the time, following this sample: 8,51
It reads 10,01
